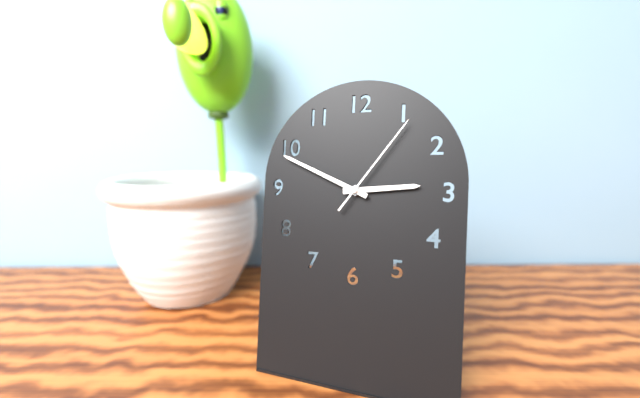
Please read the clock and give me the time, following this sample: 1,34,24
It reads 2,49,06
